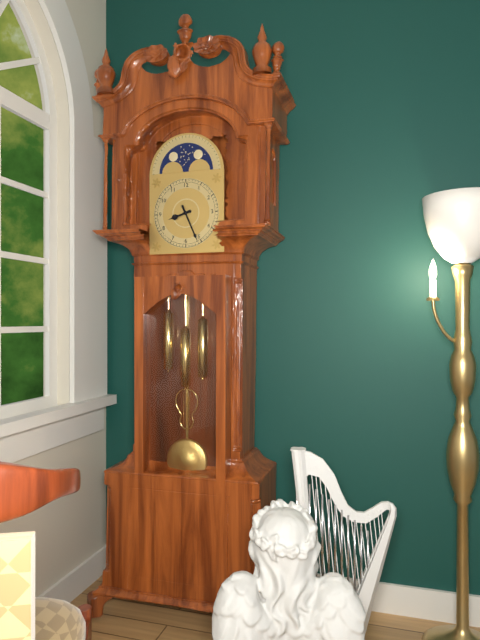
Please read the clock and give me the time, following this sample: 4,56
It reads 8,26
